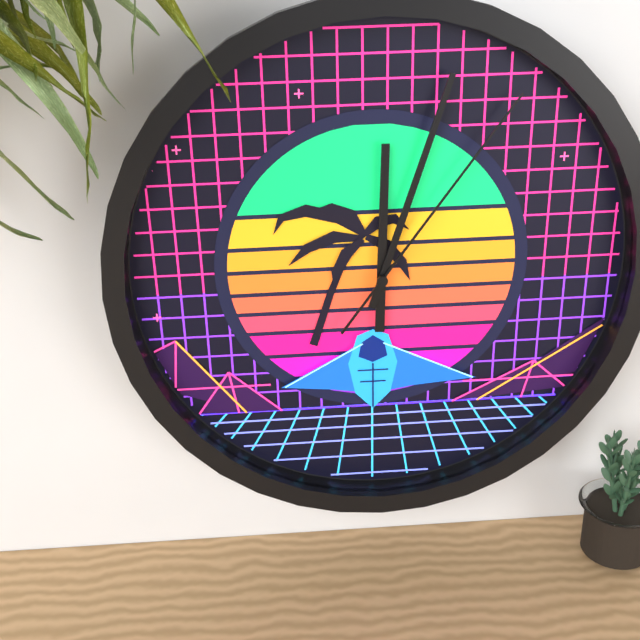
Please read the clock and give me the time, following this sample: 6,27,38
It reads 12,03,06
